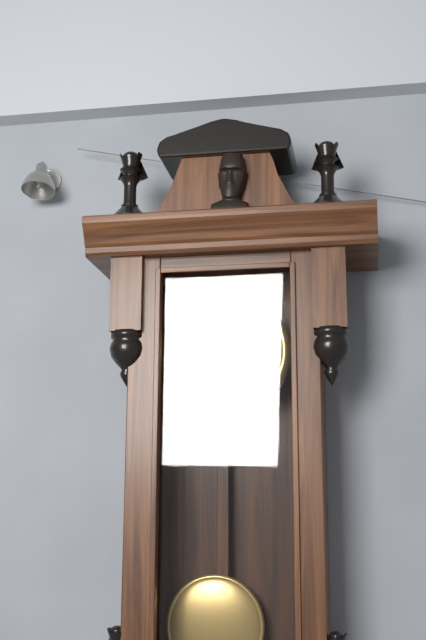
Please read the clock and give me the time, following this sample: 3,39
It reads 2,53
